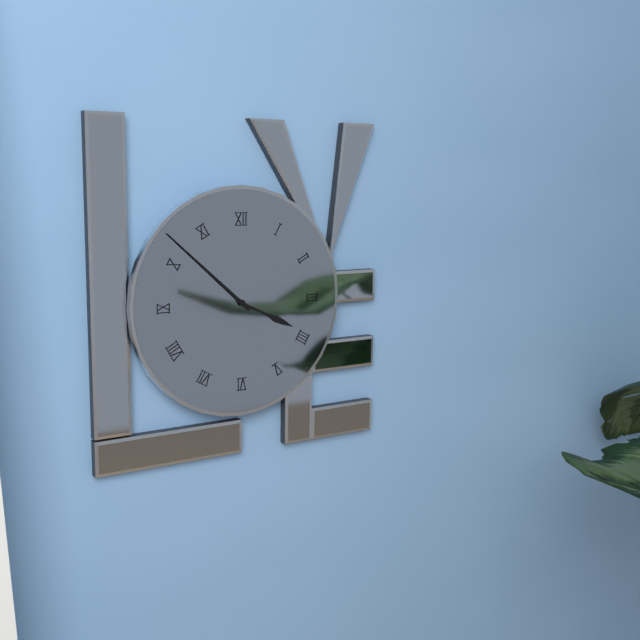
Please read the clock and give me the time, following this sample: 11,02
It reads 3,52
